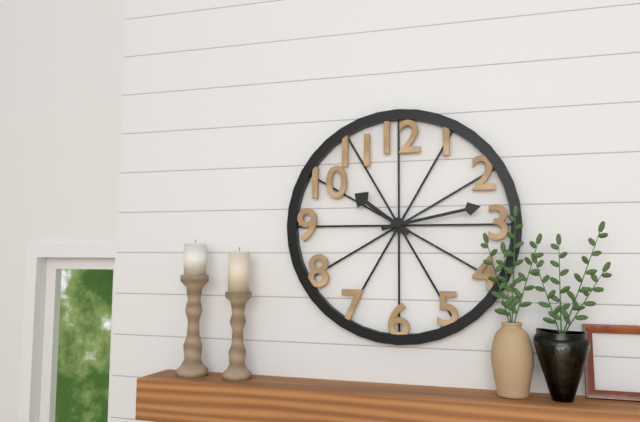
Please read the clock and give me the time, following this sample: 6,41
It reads 10,13
